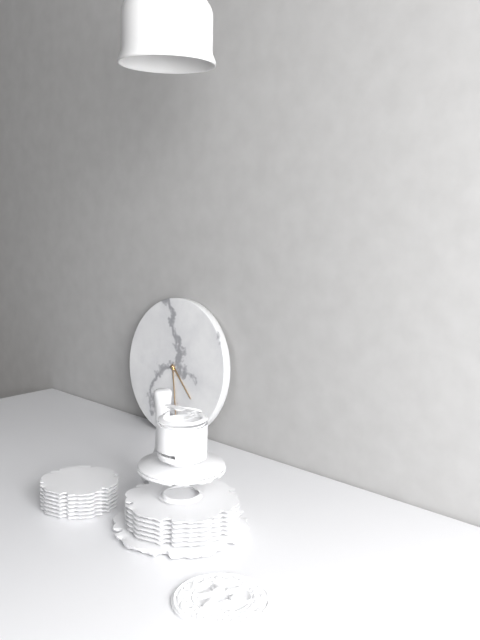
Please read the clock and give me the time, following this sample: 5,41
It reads 4,28
